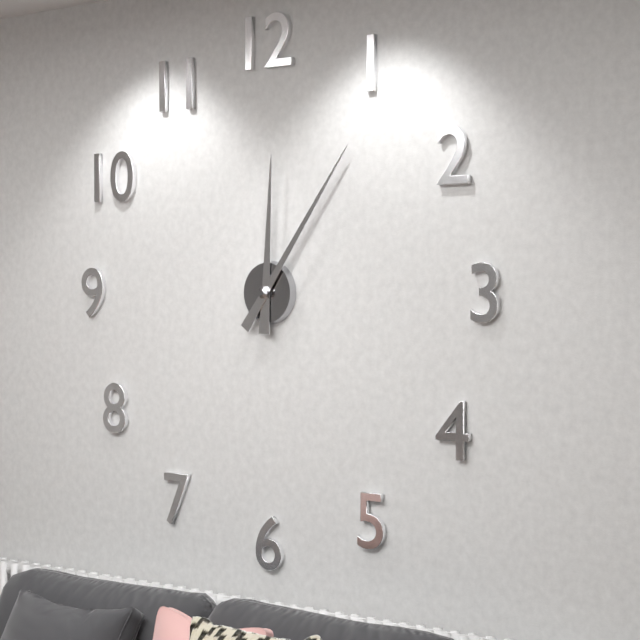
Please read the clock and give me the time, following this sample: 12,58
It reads 12,06
